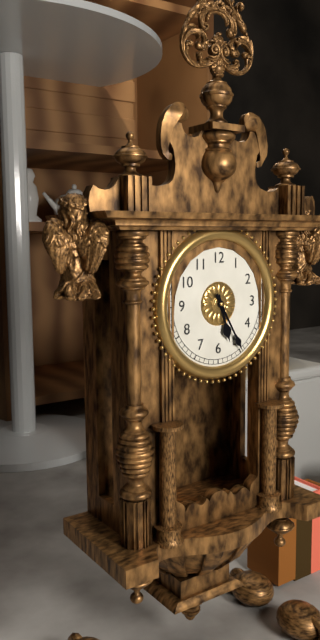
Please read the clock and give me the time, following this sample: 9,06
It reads 5,25
